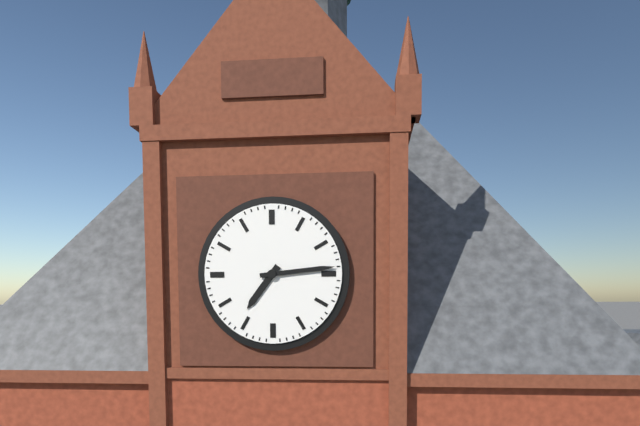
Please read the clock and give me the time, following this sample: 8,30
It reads 7,14
